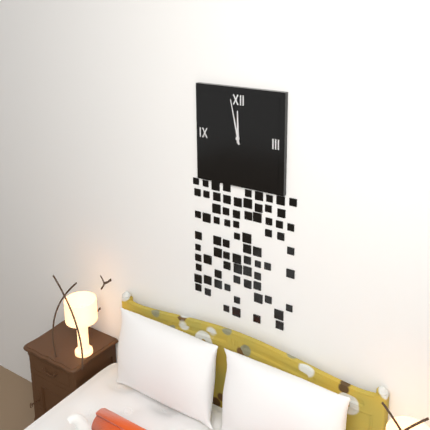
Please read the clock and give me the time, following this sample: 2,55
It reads 11,58
